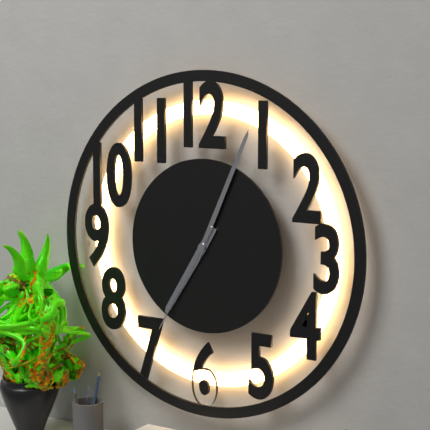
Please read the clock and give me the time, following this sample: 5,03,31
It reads 7,04,35
